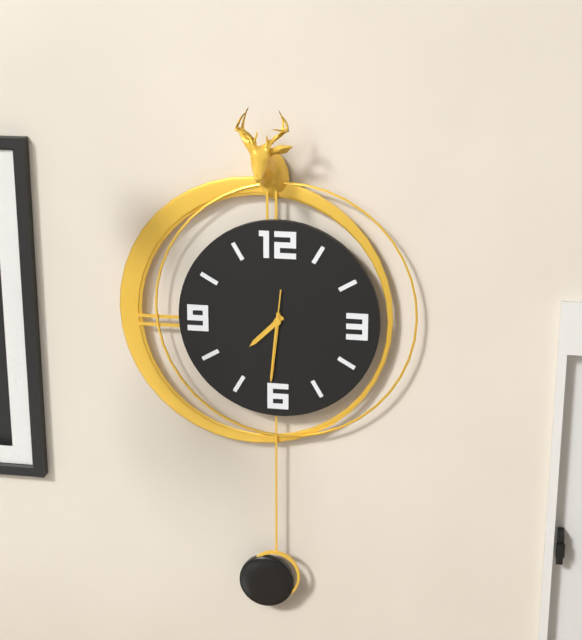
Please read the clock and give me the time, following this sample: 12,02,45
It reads 7,31,31
